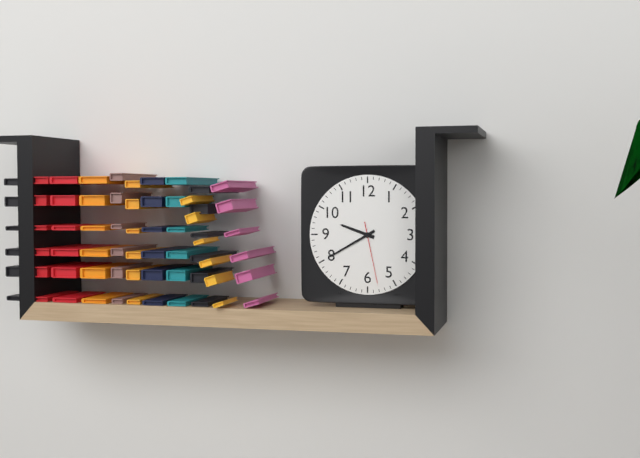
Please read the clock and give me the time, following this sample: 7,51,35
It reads 9,40,28
